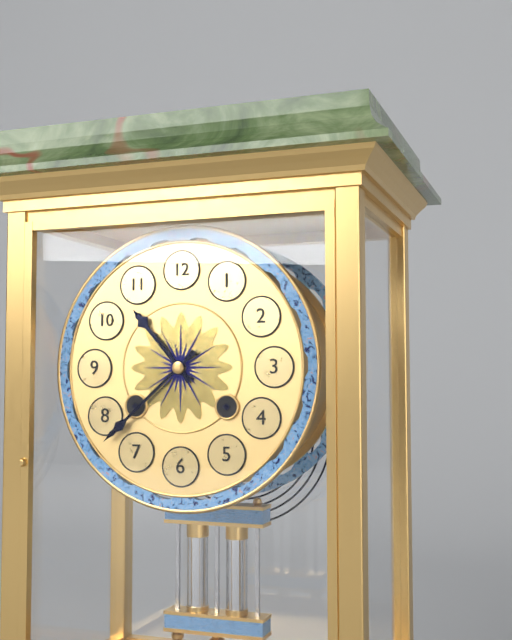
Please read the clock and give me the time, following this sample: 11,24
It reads 10,38
